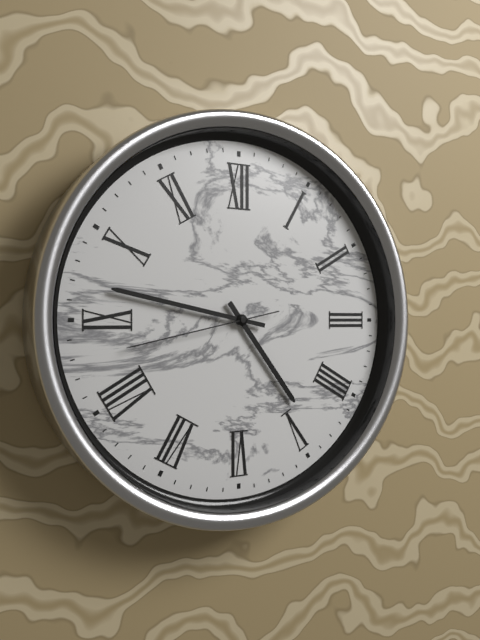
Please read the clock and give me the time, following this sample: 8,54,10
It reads 4,47,43
